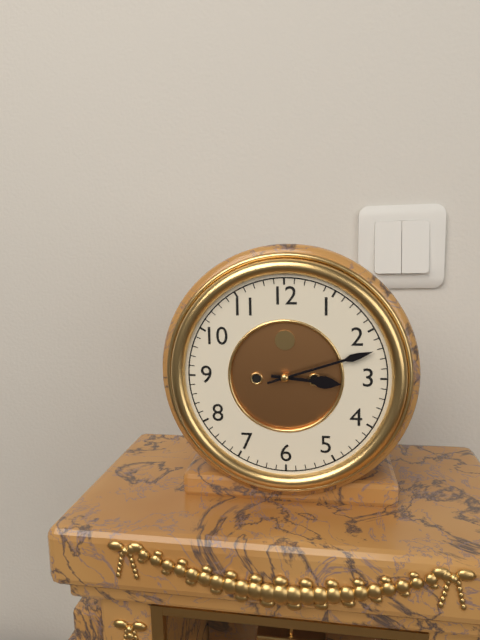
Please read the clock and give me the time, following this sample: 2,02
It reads 3,12
